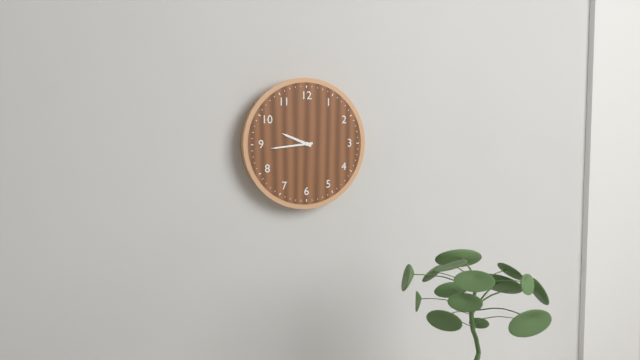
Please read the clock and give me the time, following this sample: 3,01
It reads 9,44
